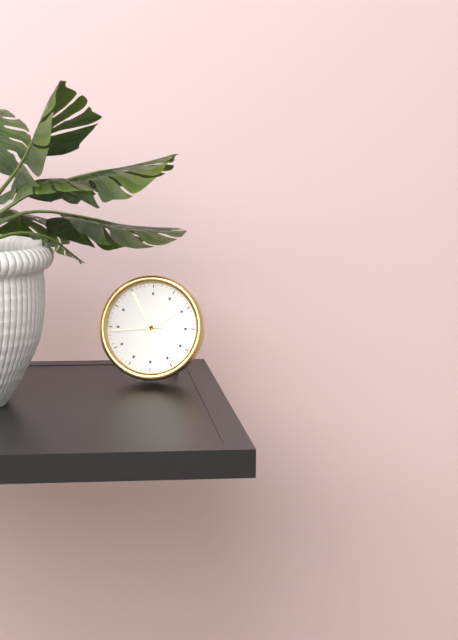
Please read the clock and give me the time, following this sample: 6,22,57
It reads 1,55,44
